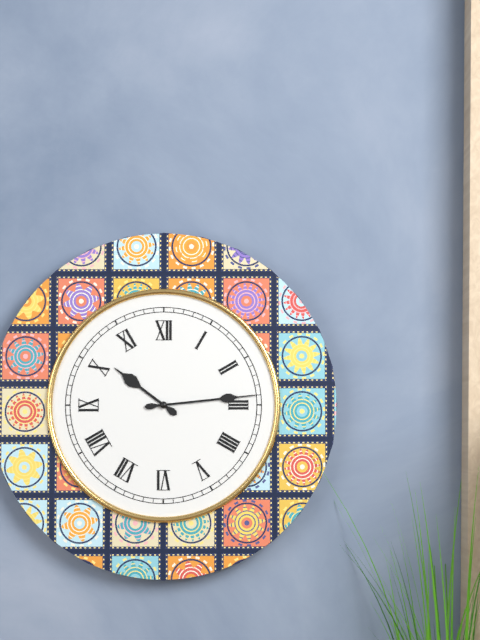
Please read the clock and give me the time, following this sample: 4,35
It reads 10,14
